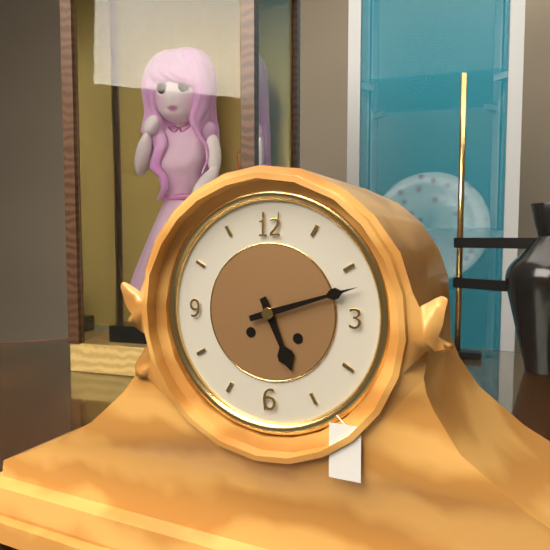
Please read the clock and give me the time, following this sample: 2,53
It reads 5,12
